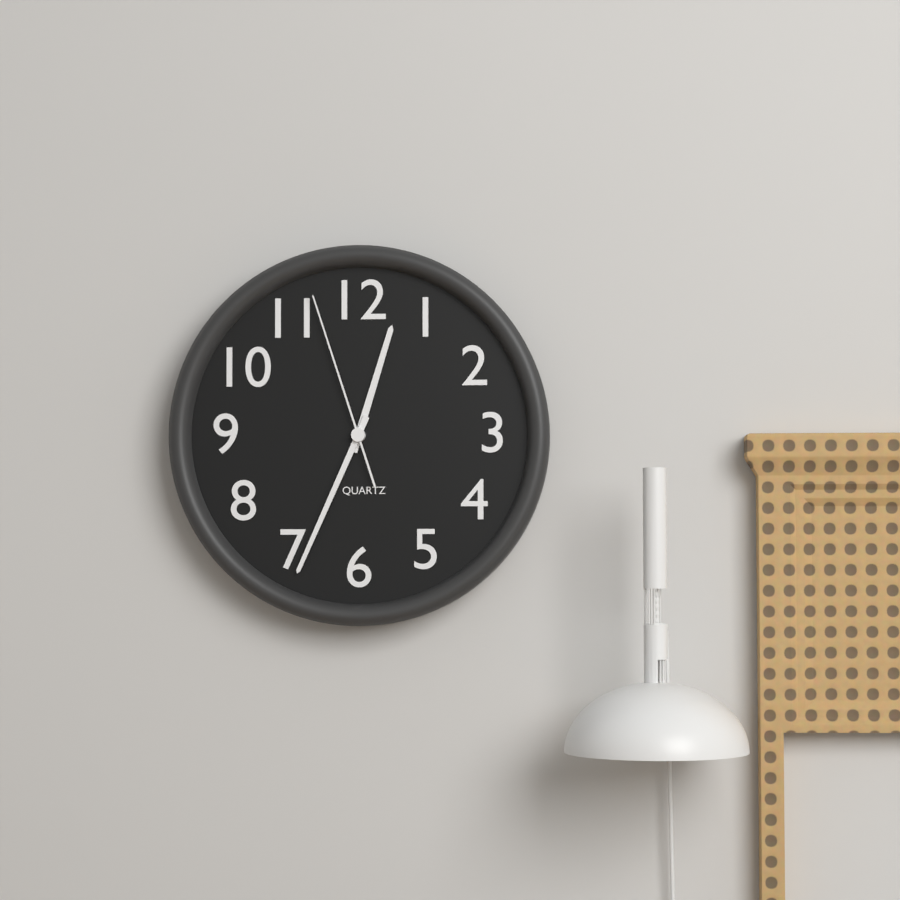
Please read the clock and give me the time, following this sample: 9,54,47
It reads 12,34,57
